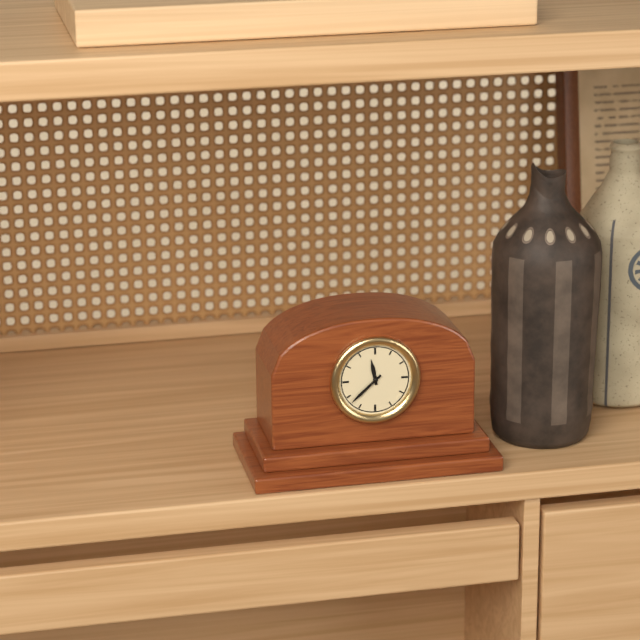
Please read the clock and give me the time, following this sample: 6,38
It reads 11,38
